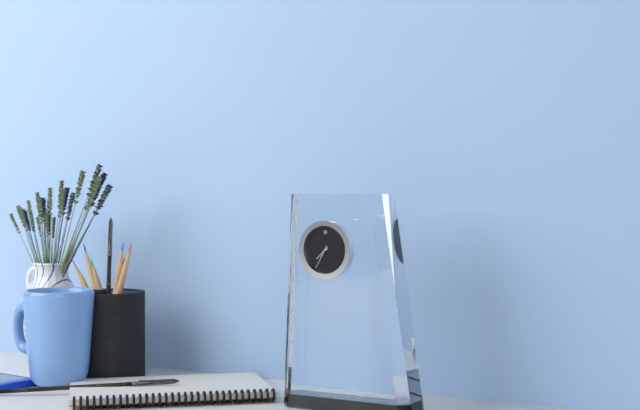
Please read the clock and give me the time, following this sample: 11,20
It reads 7,35
